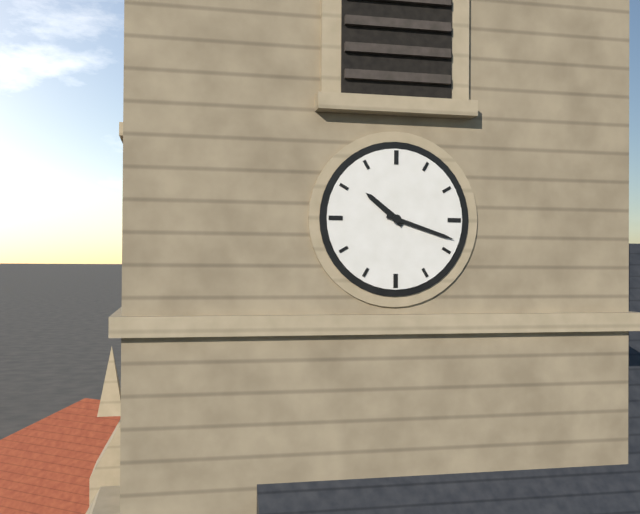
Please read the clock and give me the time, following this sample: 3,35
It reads 10,18
